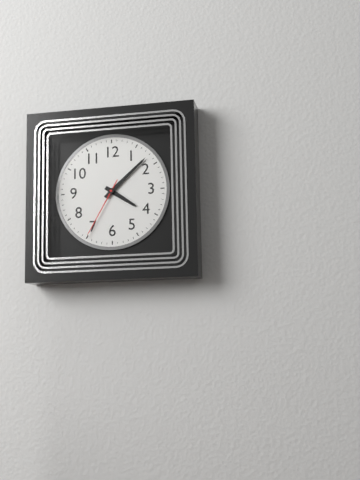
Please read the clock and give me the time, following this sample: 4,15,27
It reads 4,08,35
